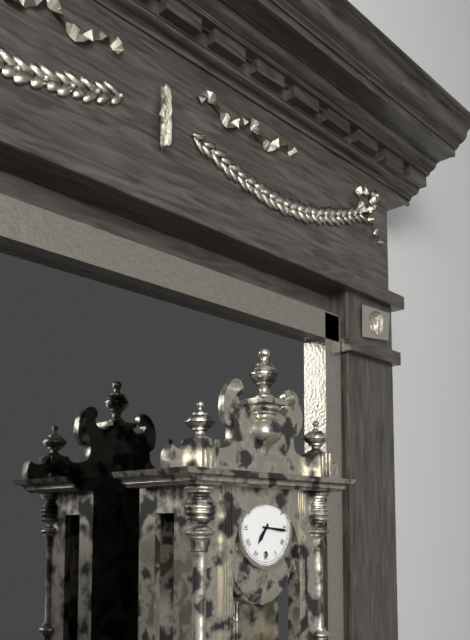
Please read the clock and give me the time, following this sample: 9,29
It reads 7,16
